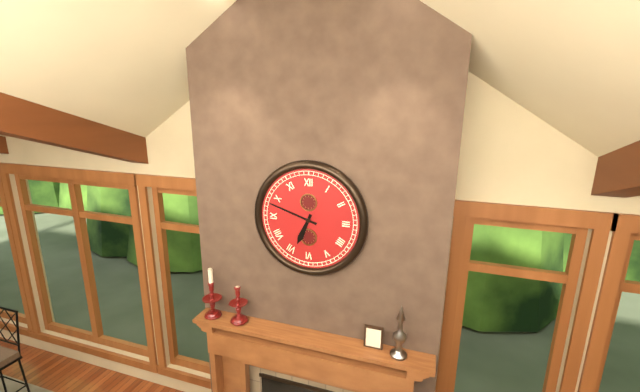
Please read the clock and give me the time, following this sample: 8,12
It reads 6,48
